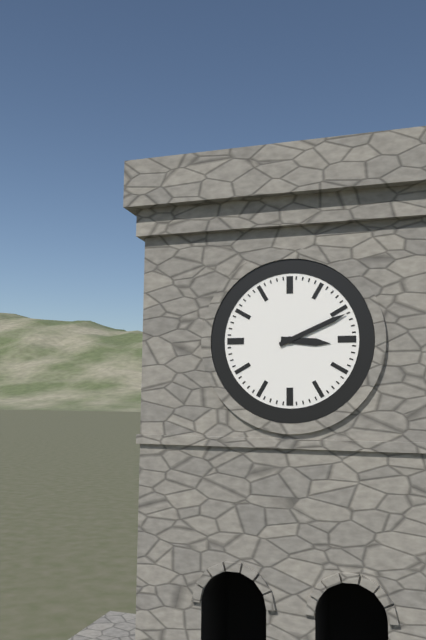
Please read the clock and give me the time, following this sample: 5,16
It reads 3,11
